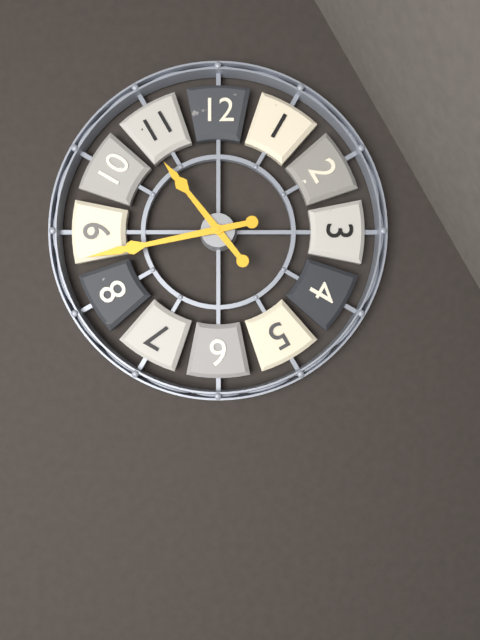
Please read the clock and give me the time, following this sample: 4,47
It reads 10,43
